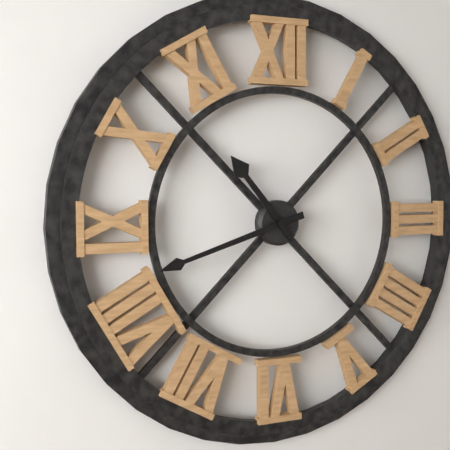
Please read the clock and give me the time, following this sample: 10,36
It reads 10,42
